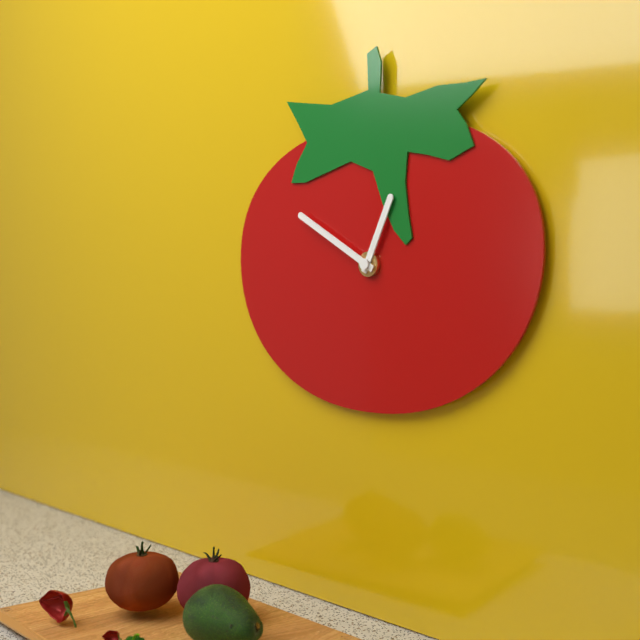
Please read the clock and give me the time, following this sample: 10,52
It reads 12,50
